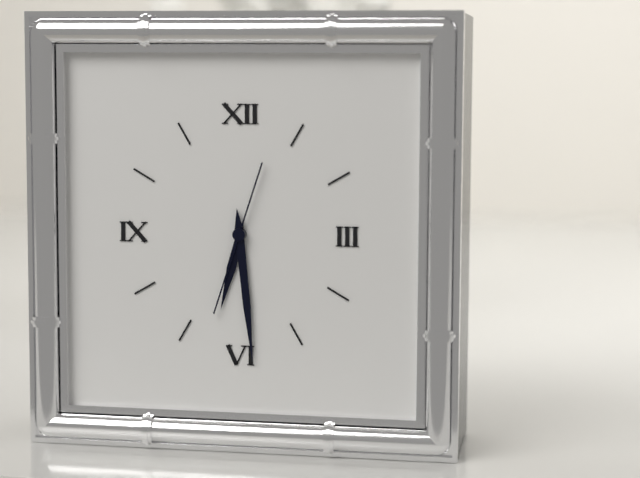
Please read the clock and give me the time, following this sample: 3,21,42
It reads 6,29,33
